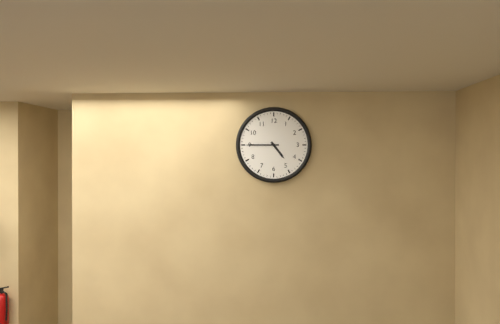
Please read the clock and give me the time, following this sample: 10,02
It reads 4,45
